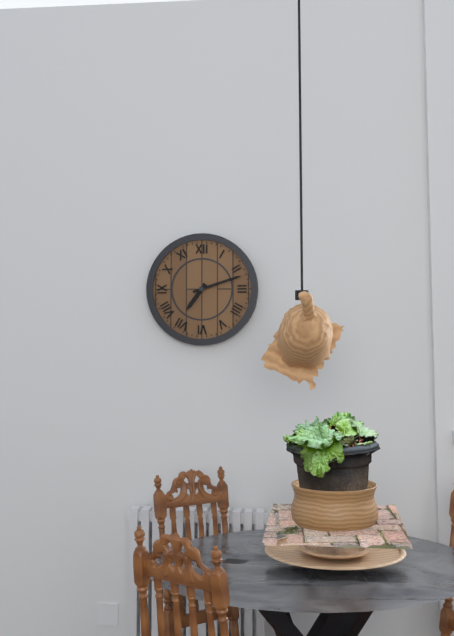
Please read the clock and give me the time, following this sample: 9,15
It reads 7,12
